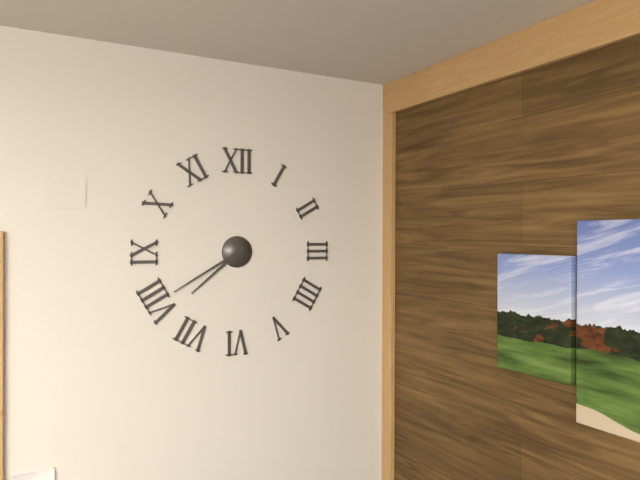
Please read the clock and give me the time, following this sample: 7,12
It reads 7,40
